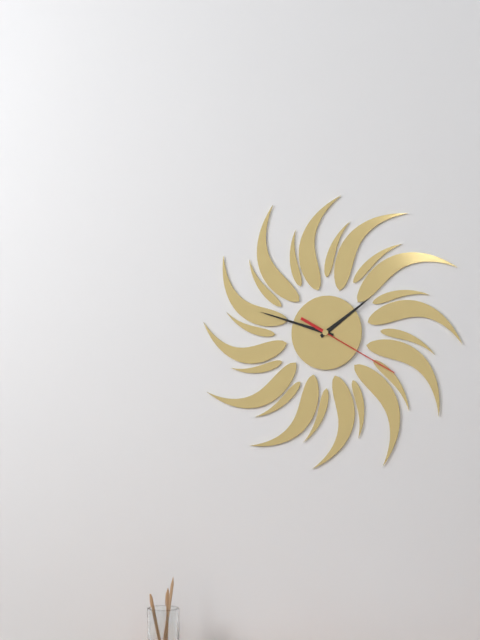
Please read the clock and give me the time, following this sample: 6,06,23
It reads 1,48,20
